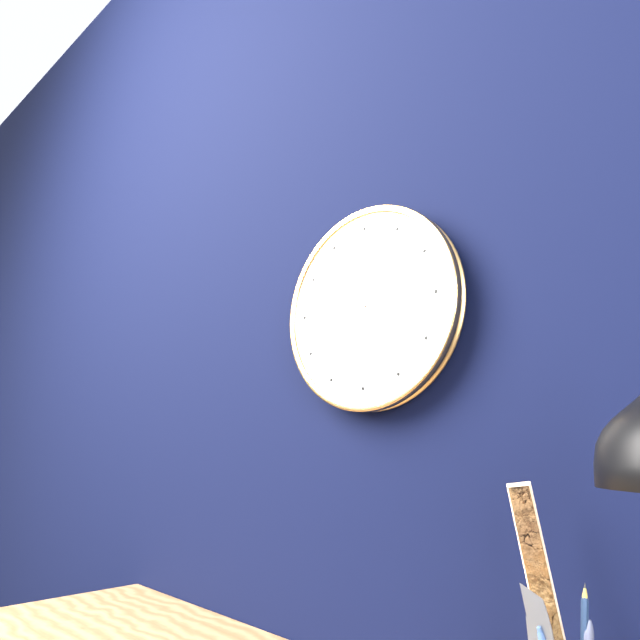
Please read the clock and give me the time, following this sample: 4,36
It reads 2,27
